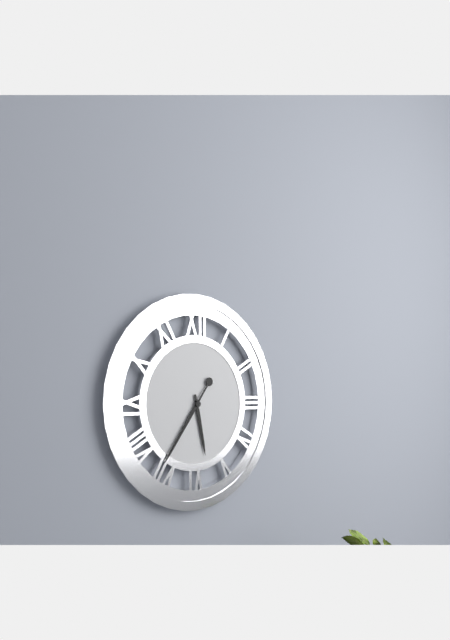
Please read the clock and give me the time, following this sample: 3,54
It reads 5,36
